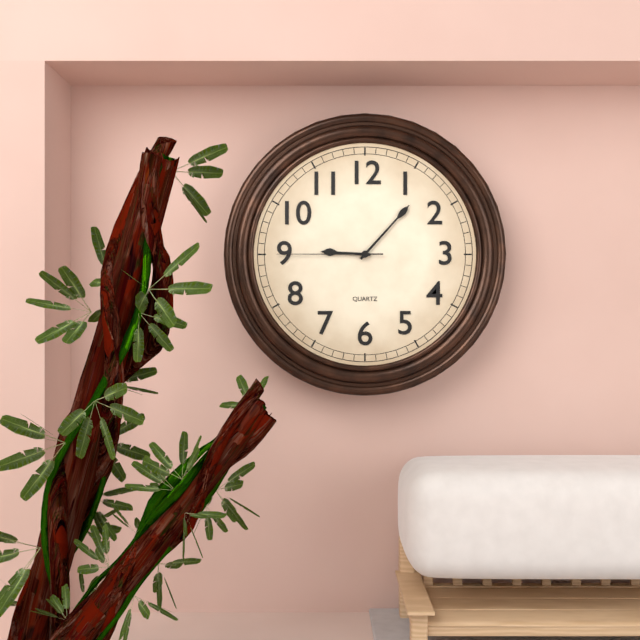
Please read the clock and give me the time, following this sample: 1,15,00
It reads 9,07,45
